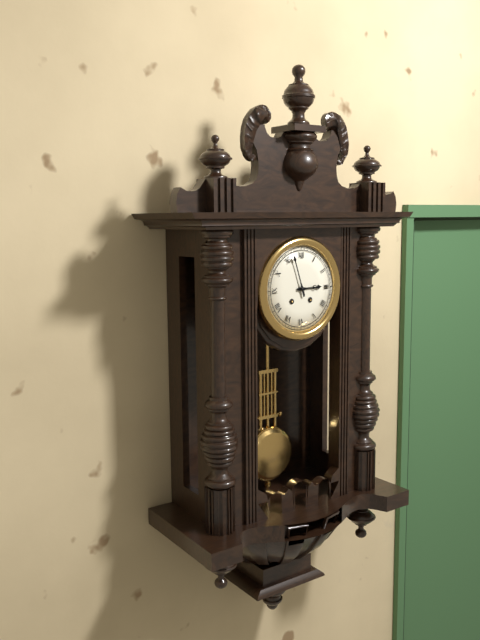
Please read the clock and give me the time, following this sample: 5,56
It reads 2,57
